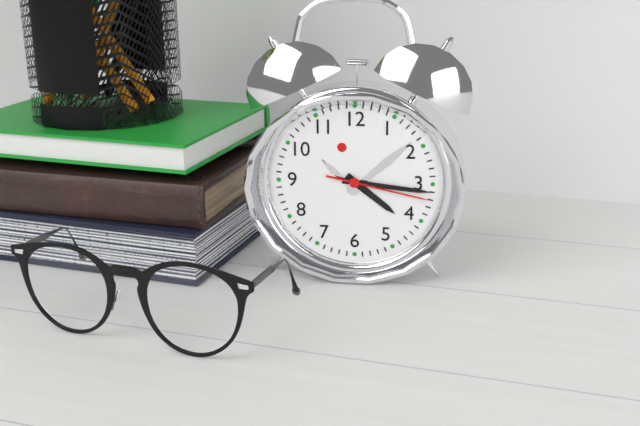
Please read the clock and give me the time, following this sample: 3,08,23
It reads 4,16,17
